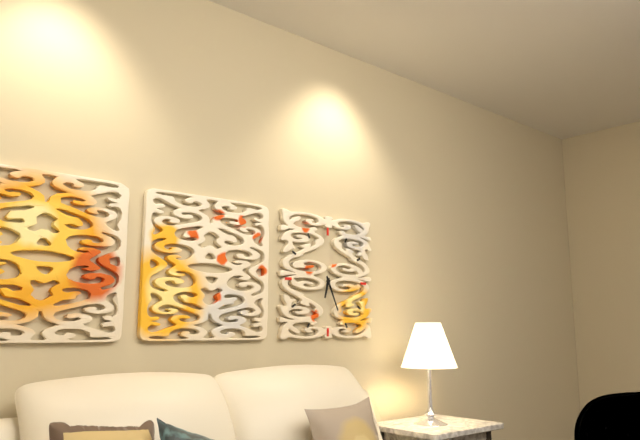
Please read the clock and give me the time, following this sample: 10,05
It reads 6,26
